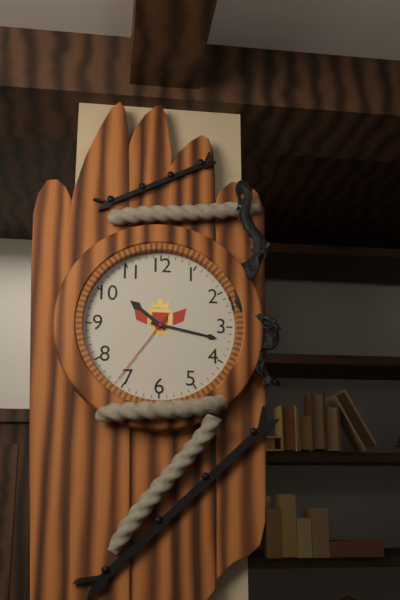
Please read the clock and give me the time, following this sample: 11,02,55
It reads 10,17,36
